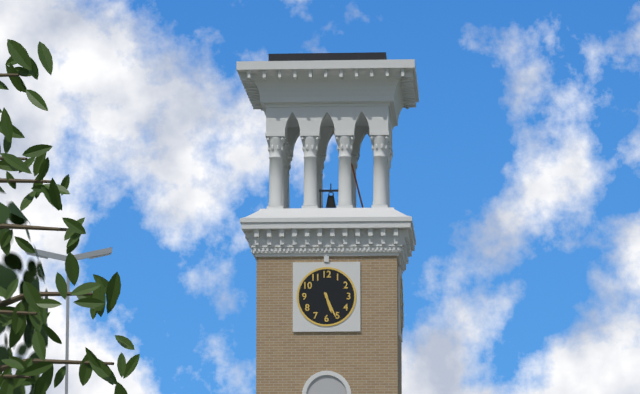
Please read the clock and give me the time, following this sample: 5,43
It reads 5,26
